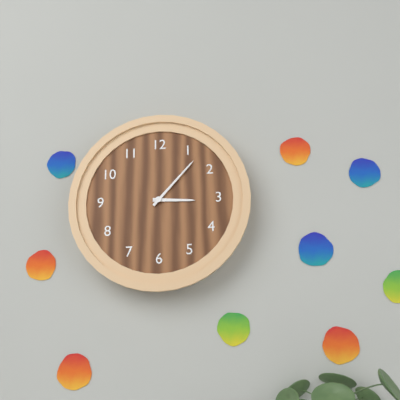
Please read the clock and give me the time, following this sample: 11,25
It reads 3,07
